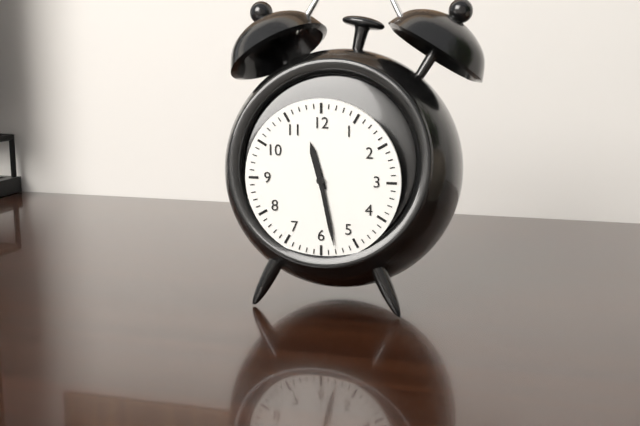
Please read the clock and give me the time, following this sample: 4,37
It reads 11,28
